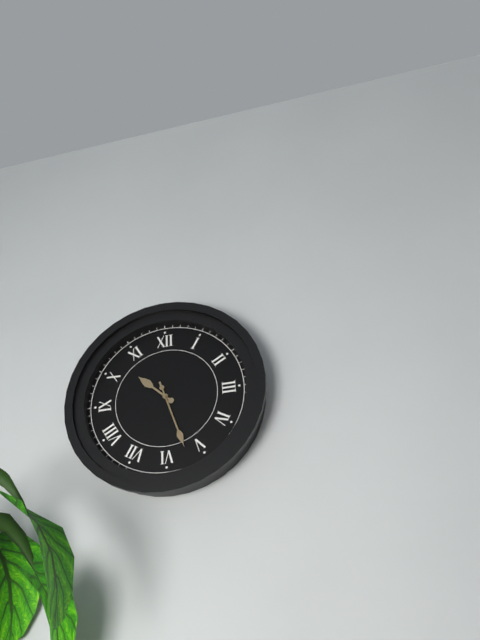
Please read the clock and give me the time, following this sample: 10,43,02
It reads 10,27,27
